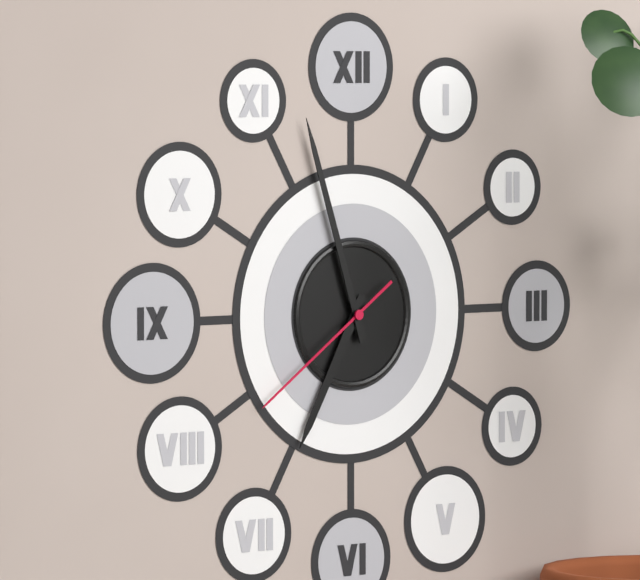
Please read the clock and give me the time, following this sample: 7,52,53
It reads 6,57,39
